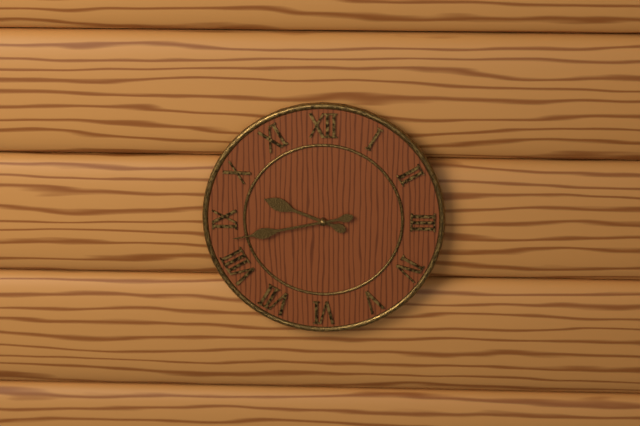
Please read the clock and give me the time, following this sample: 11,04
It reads 9,43
